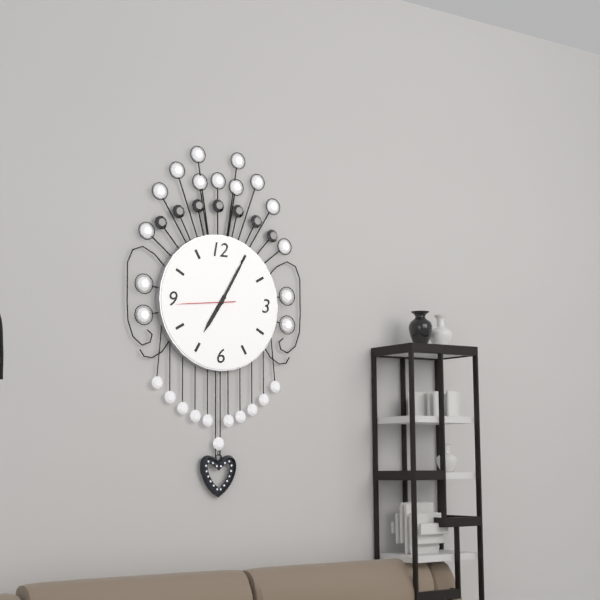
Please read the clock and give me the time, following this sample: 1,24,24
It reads 7,05,44
